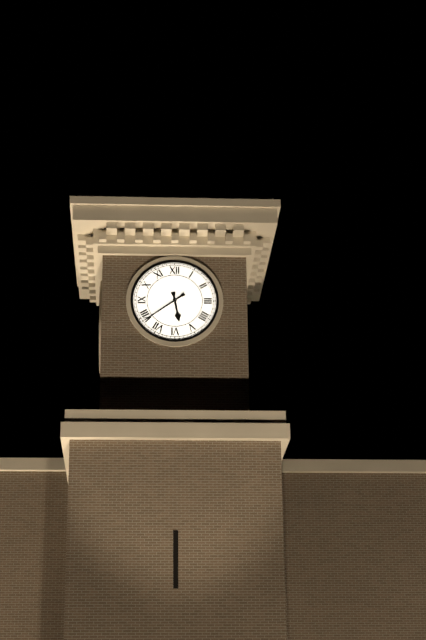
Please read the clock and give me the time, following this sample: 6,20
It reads 5,39
